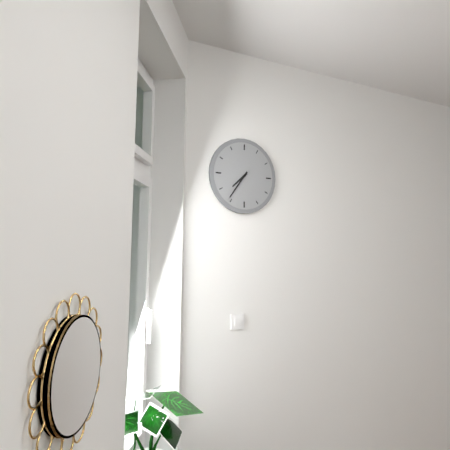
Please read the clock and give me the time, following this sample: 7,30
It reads 7,36
